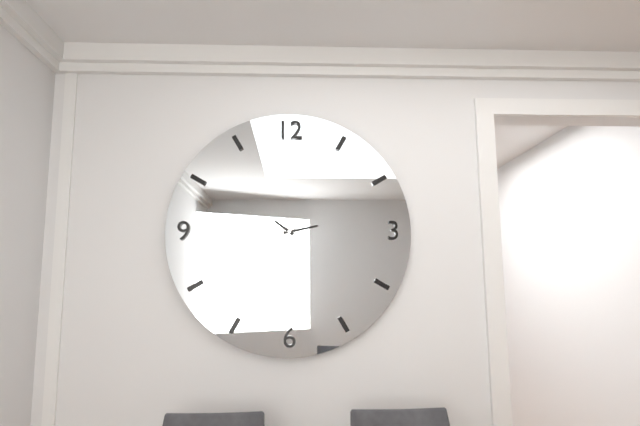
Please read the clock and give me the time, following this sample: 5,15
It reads 10,13
